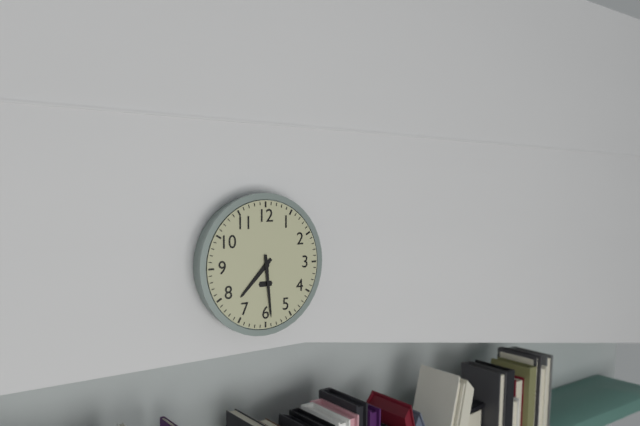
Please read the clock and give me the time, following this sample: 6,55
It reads 7,29
